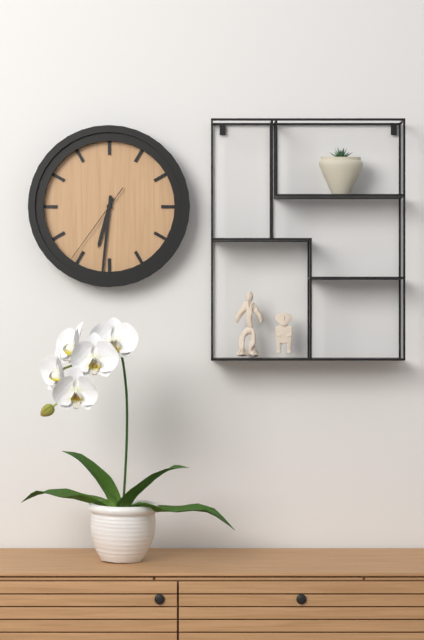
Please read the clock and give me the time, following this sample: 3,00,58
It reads 6,31,36
